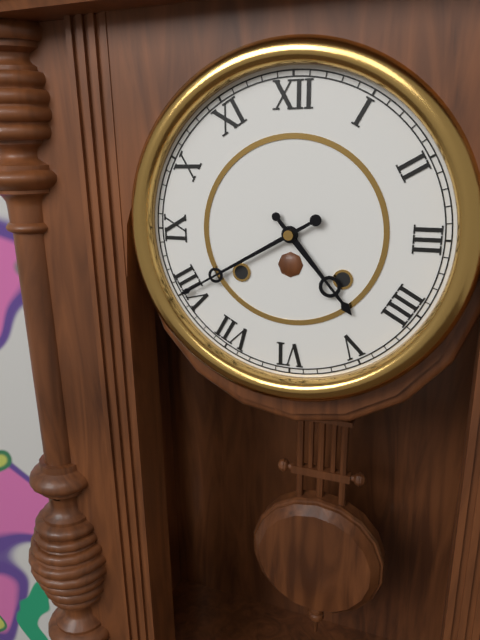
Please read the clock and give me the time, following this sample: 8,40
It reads 4,40
